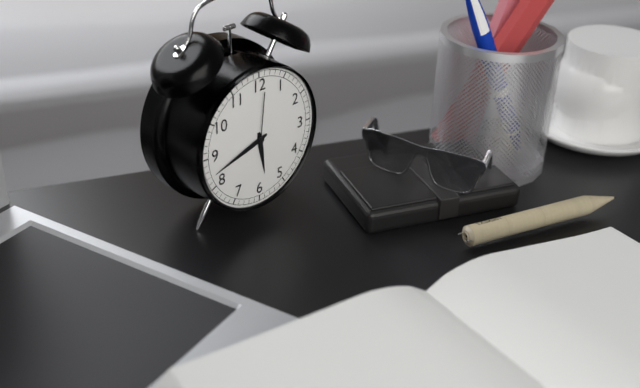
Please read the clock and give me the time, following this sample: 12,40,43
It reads 5,42,01
